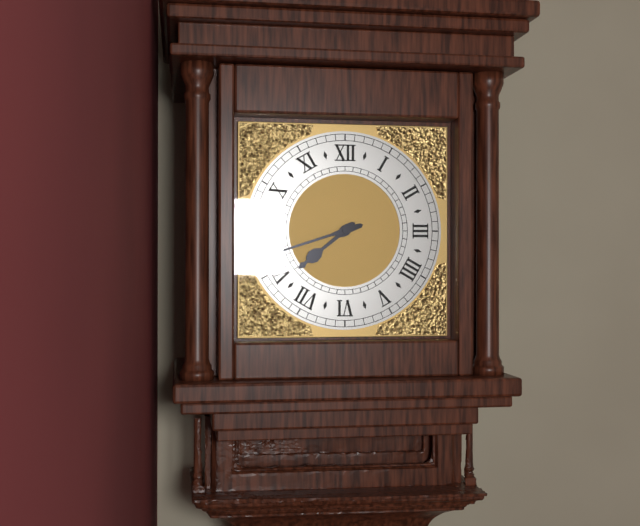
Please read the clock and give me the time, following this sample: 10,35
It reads 7,42
